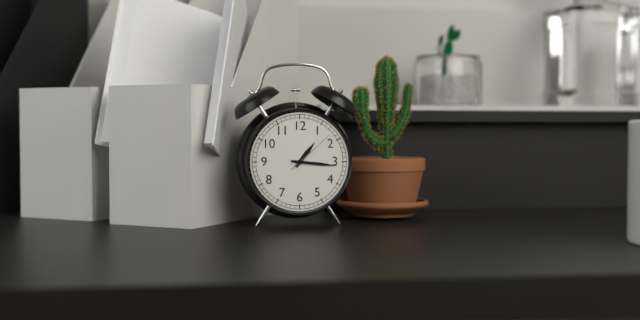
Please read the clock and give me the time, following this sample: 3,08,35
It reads 1,16,08
